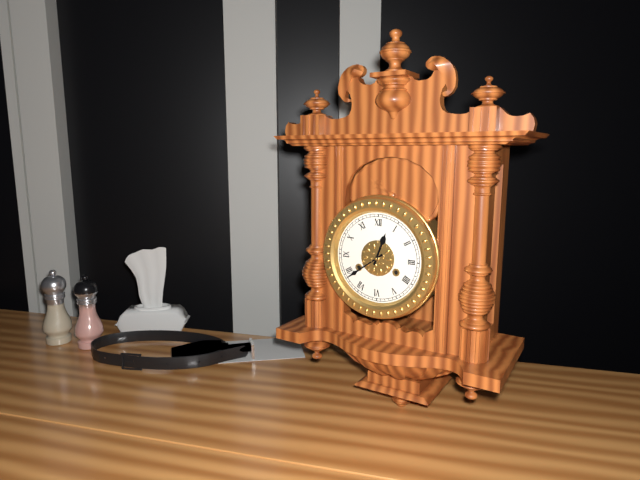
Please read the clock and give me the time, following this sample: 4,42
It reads 12,39
